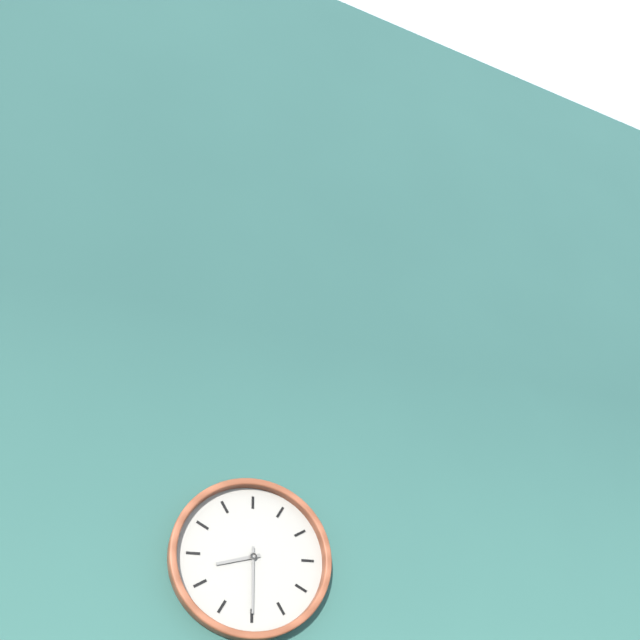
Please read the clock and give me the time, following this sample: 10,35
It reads 8,30
